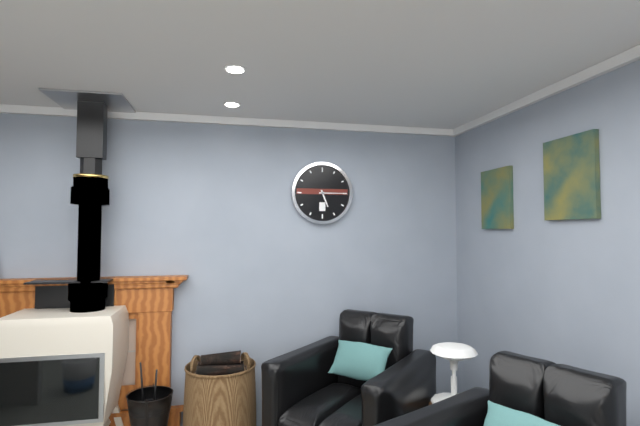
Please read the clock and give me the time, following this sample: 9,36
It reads 5,15
